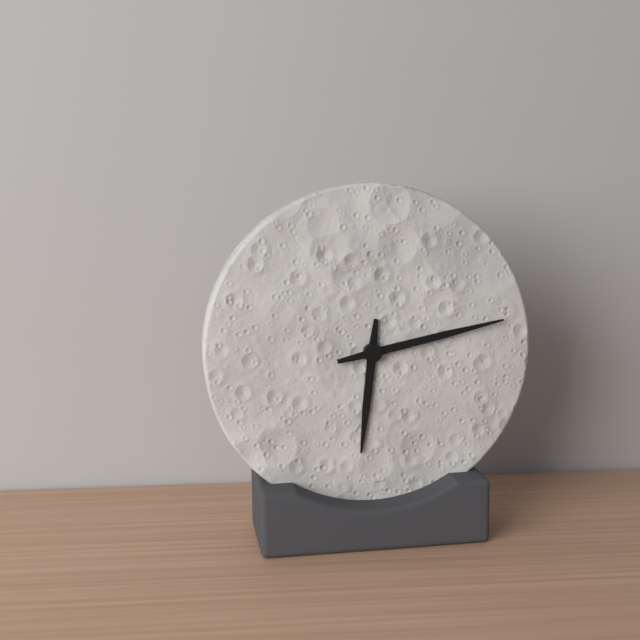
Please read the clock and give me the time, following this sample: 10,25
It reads 6,13
